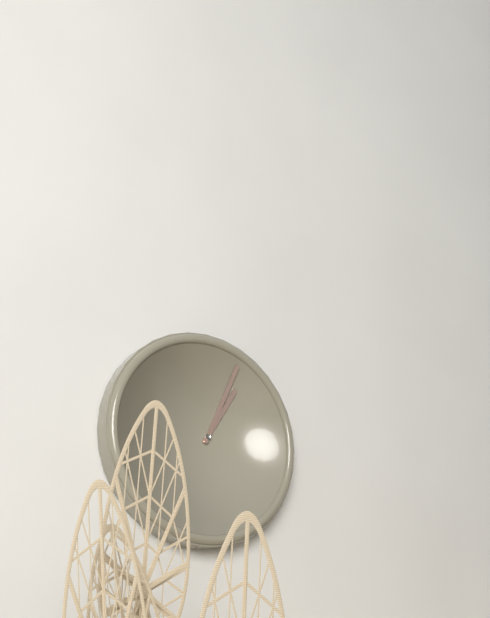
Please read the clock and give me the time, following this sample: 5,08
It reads 1,04
